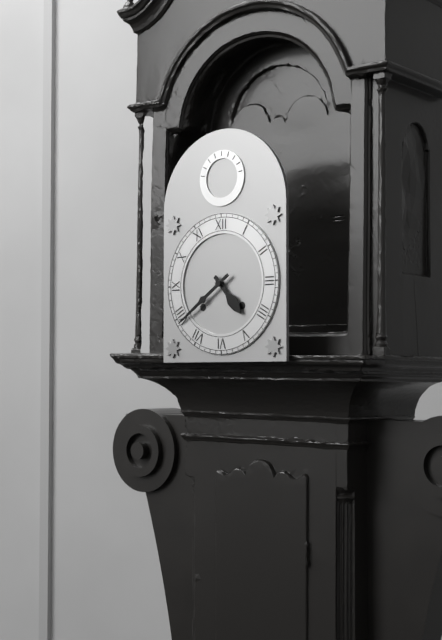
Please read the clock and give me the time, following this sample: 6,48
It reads 4,39
